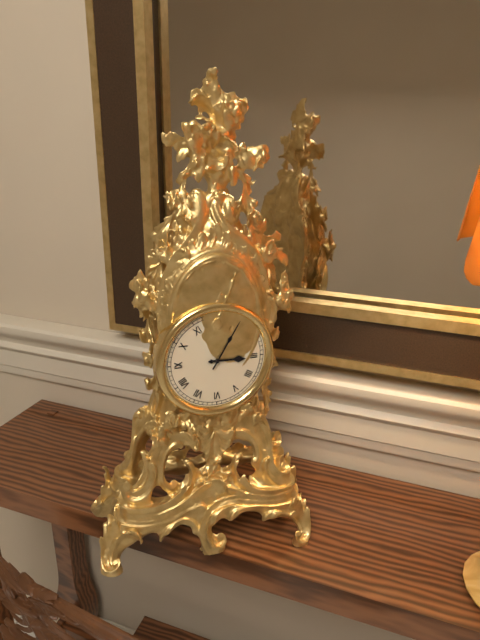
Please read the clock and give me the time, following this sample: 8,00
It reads 3,05
